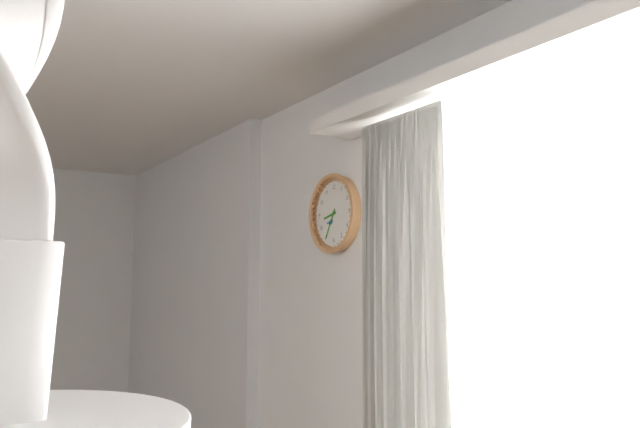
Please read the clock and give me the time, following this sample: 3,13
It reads 8,35
